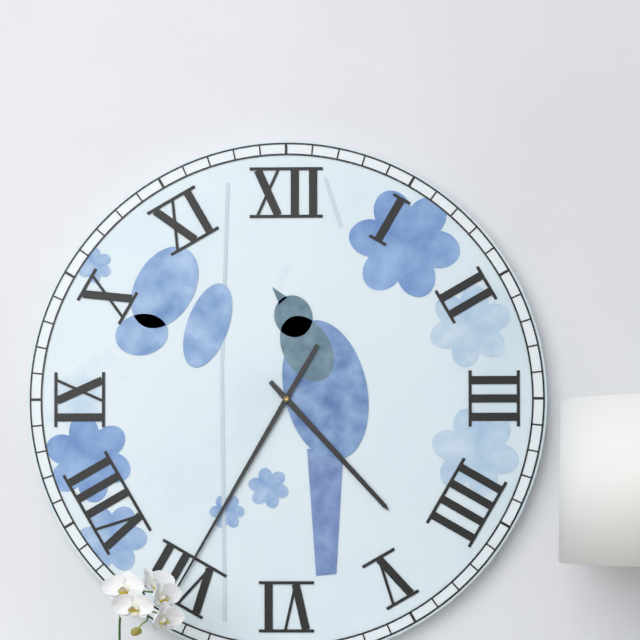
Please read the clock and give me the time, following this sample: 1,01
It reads 4,35
